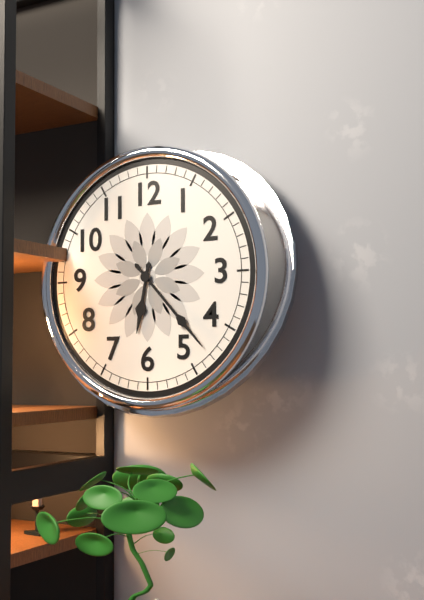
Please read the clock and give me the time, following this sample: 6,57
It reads 6,23
